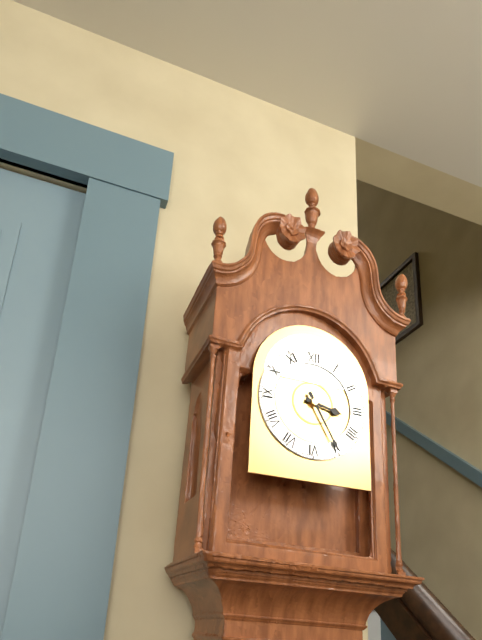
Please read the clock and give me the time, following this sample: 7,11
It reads 3,25
